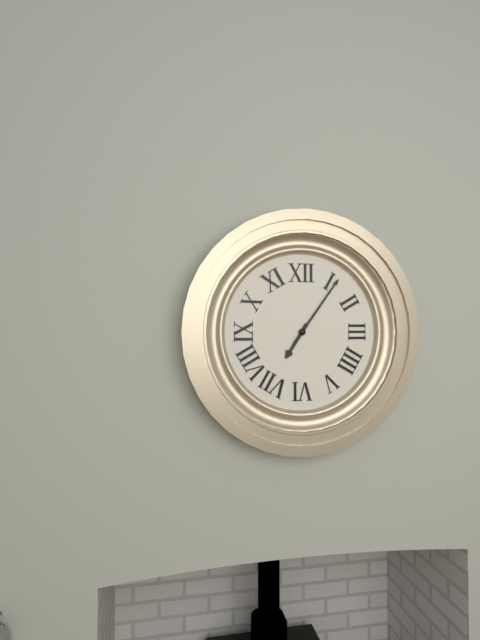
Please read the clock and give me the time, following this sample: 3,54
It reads 7,06
